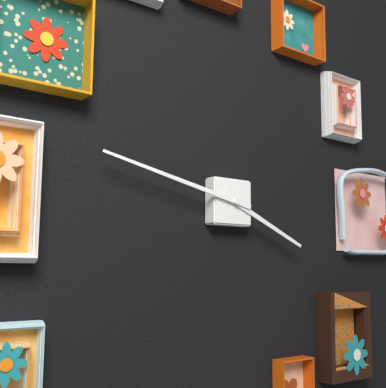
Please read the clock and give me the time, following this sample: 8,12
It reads 3,47
